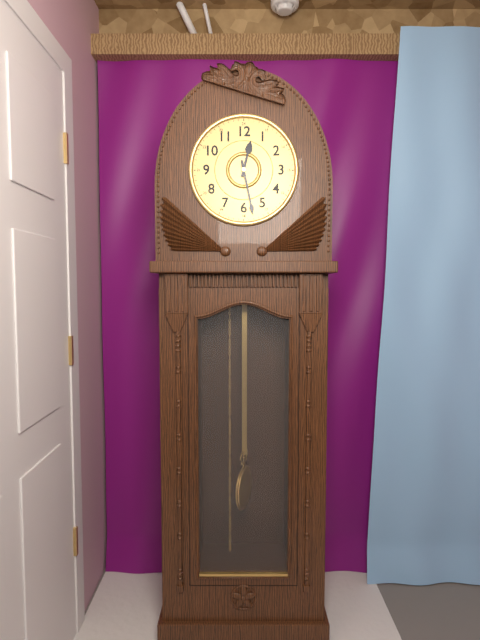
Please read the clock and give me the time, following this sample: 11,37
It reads 12,28
